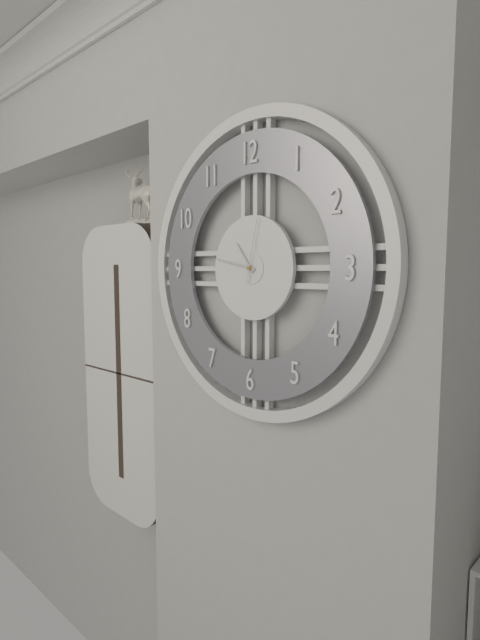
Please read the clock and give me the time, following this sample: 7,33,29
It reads 10,47,02
